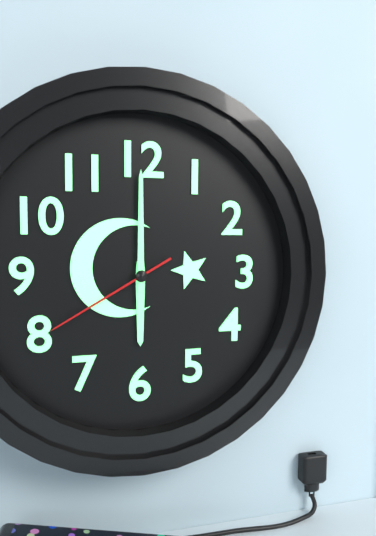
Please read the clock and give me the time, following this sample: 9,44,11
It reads 6,00,40
